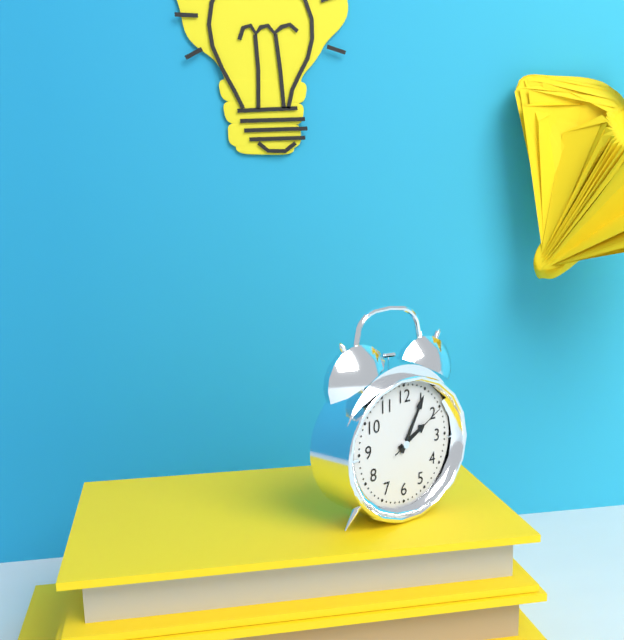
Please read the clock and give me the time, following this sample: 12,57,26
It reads 2,05,10
